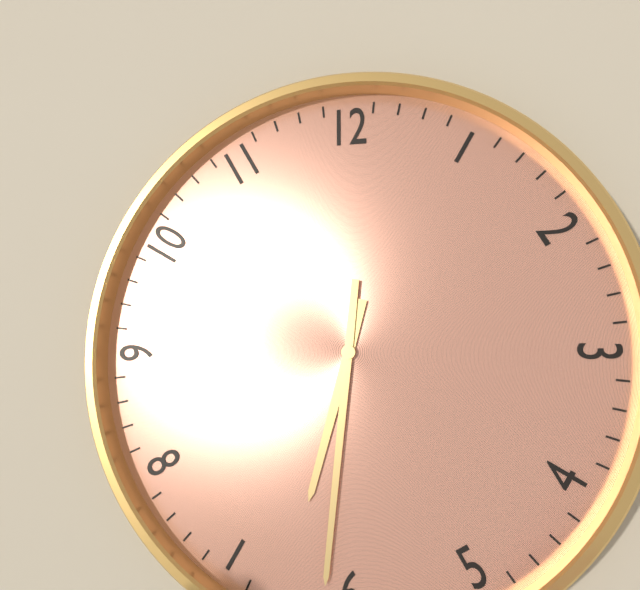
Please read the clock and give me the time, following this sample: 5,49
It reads 6,31
